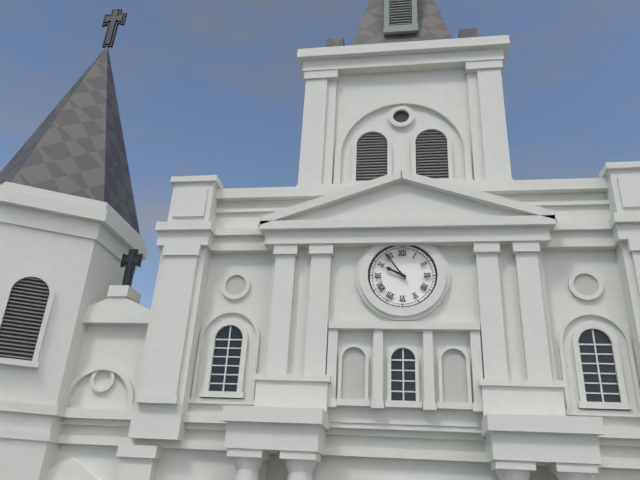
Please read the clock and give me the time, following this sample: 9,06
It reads 9,54
